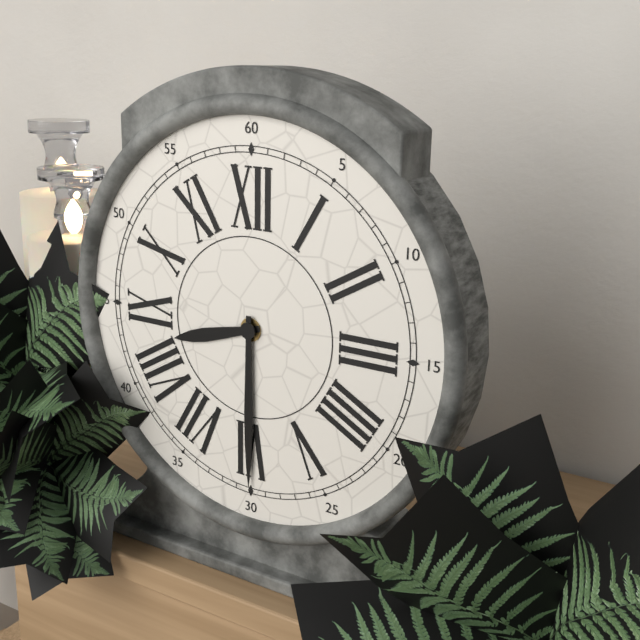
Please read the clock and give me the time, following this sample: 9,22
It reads 8,30
